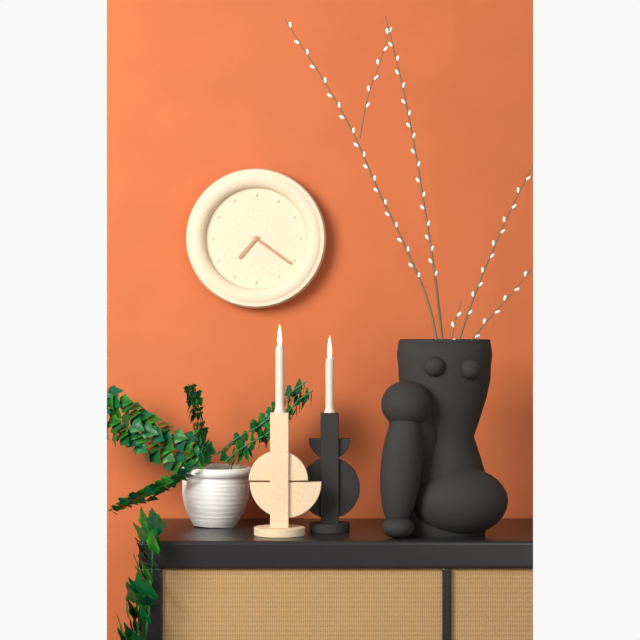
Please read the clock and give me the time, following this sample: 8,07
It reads 7,21
